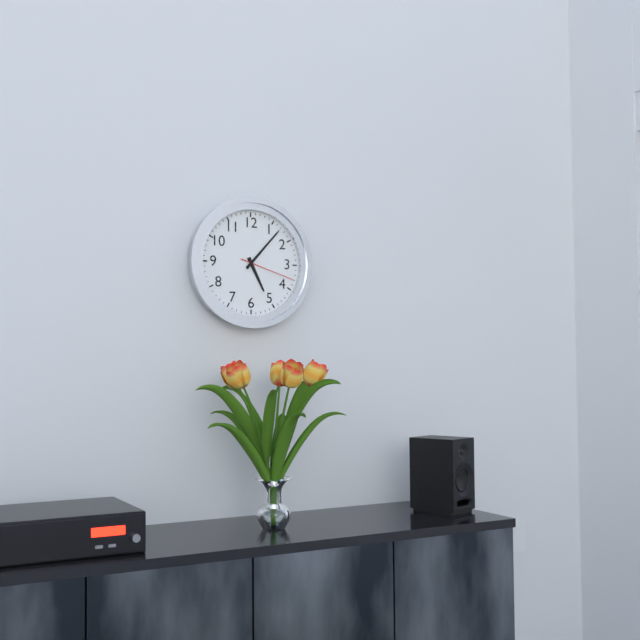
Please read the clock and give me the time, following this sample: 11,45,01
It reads 5,07,18
